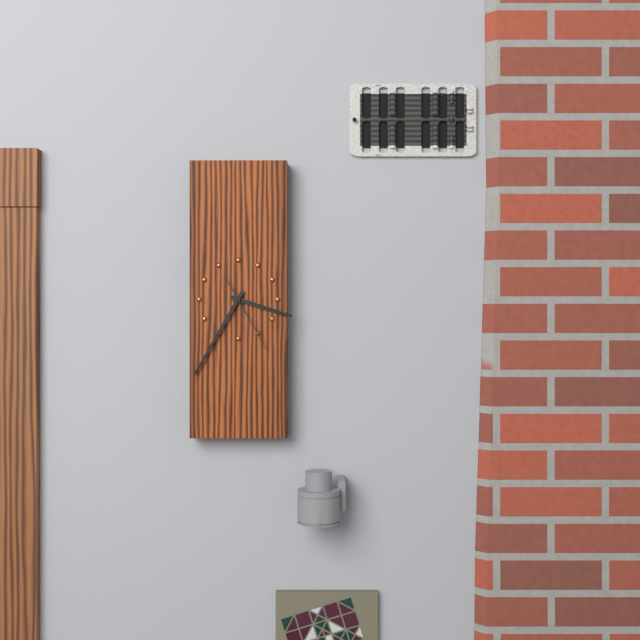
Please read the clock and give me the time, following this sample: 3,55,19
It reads 3,35,25
